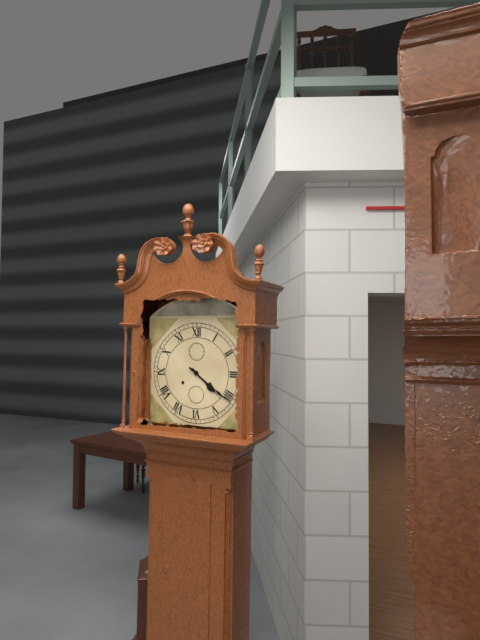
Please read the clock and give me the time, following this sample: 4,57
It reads 4,21
